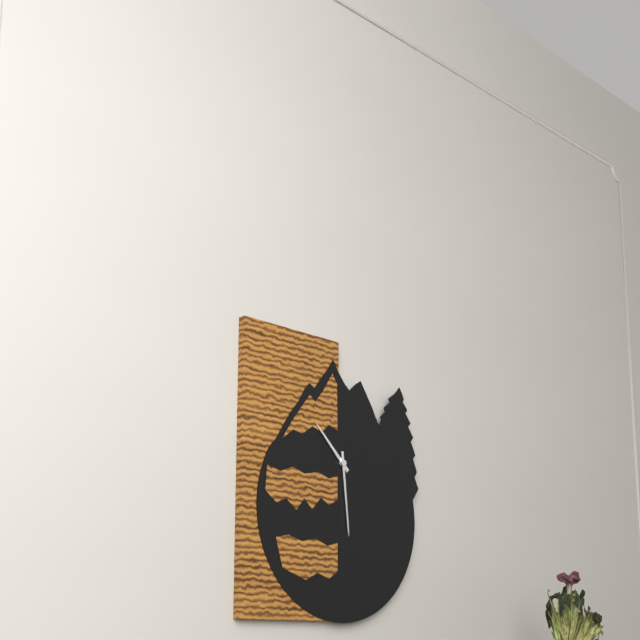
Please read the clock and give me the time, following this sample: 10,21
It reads 10,29
